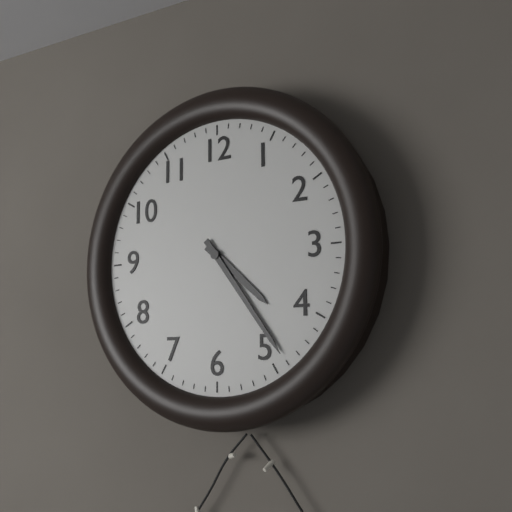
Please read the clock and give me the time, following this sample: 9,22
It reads 4,24
